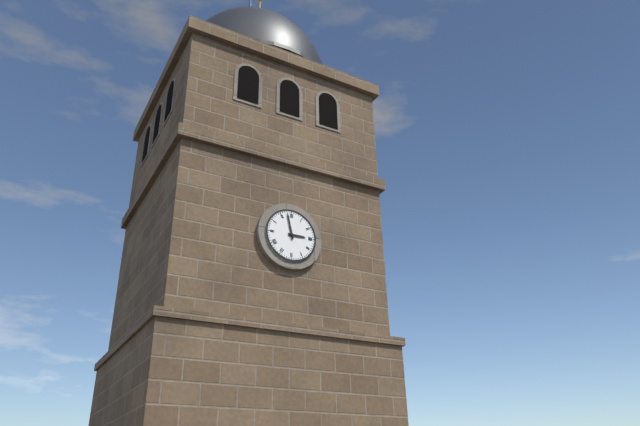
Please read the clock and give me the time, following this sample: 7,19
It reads 2,58
